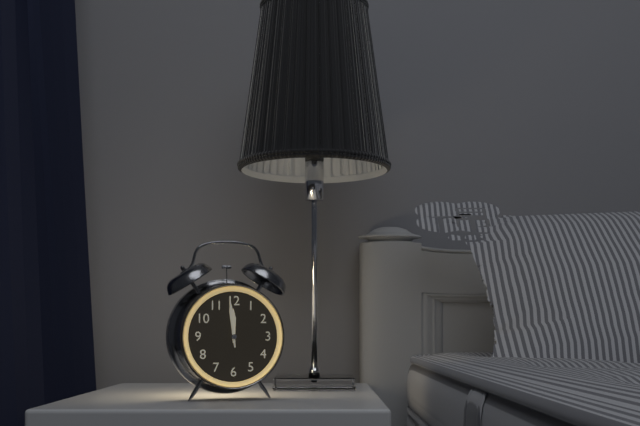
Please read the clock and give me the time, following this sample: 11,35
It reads 11,59
